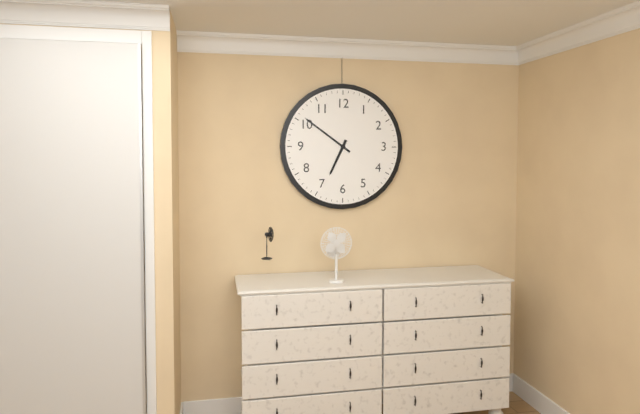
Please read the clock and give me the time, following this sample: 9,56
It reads 6,51
